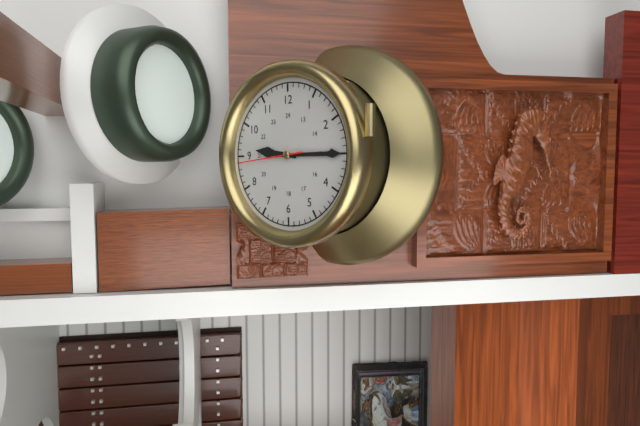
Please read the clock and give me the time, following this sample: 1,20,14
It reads 9,15,44
